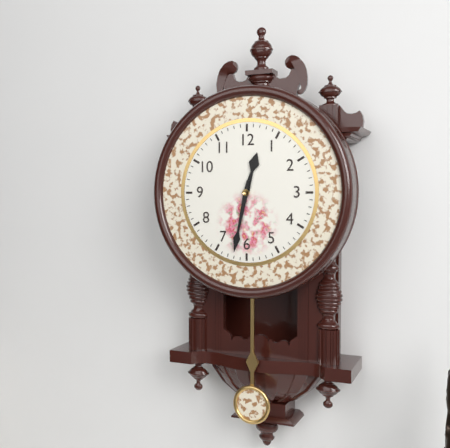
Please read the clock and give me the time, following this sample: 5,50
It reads 12,32
